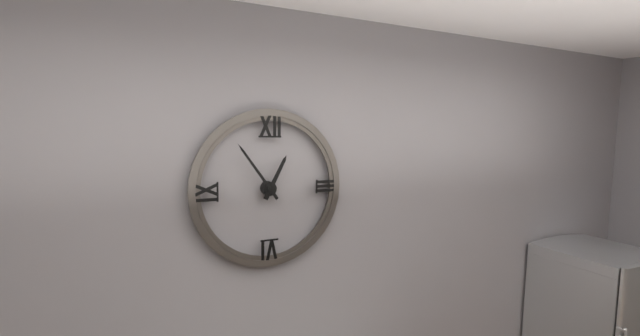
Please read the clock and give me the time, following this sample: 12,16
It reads 12,54
